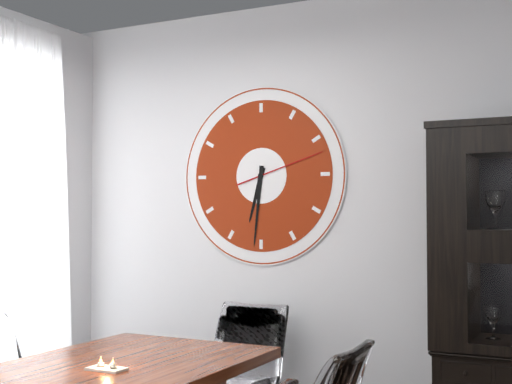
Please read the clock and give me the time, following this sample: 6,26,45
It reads 6,31,12
